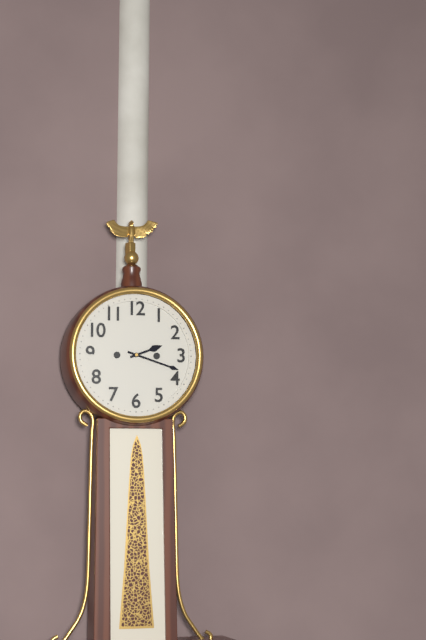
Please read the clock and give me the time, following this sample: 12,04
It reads 2,18
